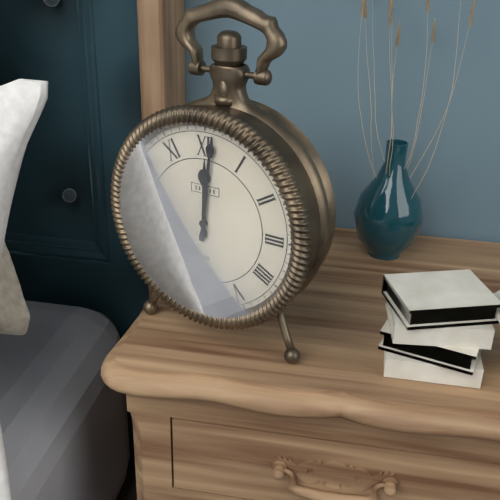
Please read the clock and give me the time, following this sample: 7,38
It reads 12,01
